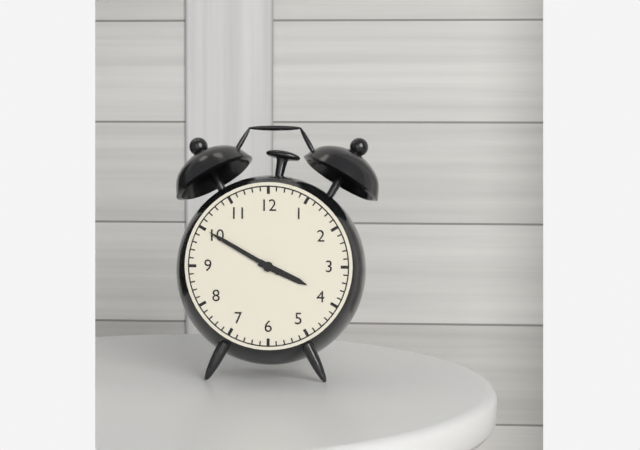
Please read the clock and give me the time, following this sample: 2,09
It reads 3,50
